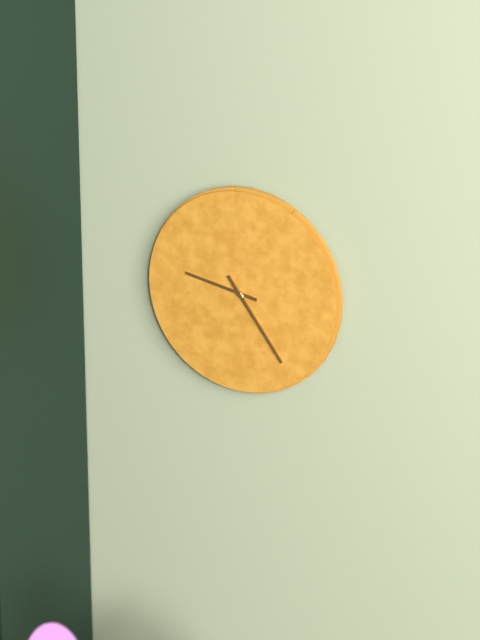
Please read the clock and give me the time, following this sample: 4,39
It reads 9,24
